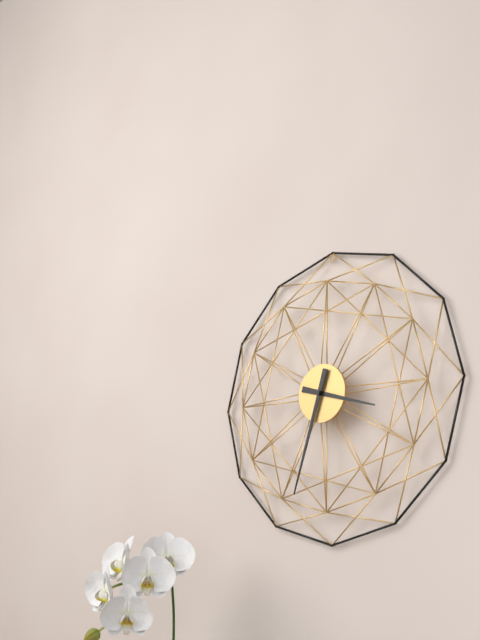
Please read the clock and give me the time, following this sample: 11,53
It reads 3,33
